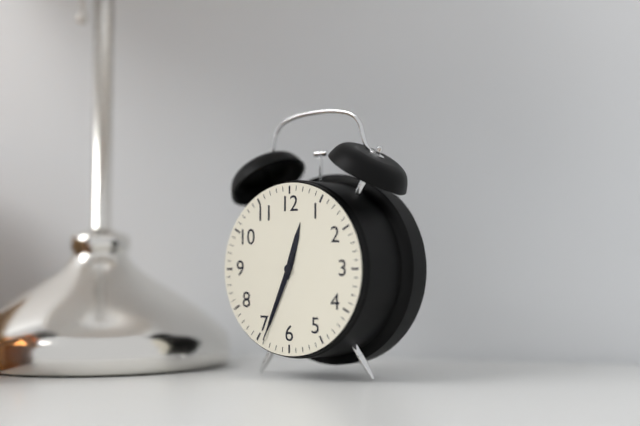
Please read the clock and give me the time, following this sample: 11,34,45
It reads 12,34,34
